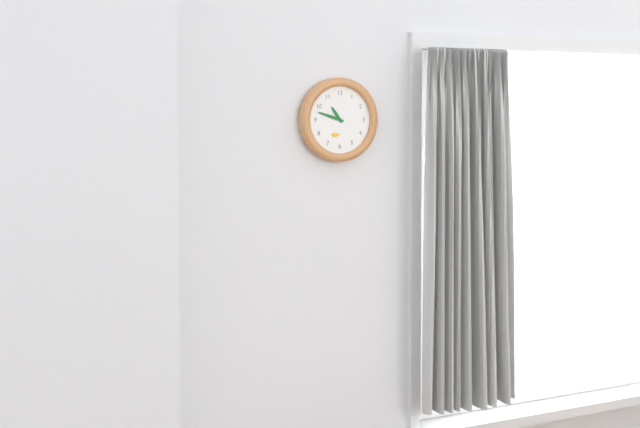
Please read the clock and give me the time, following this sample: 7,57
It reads 10,48
